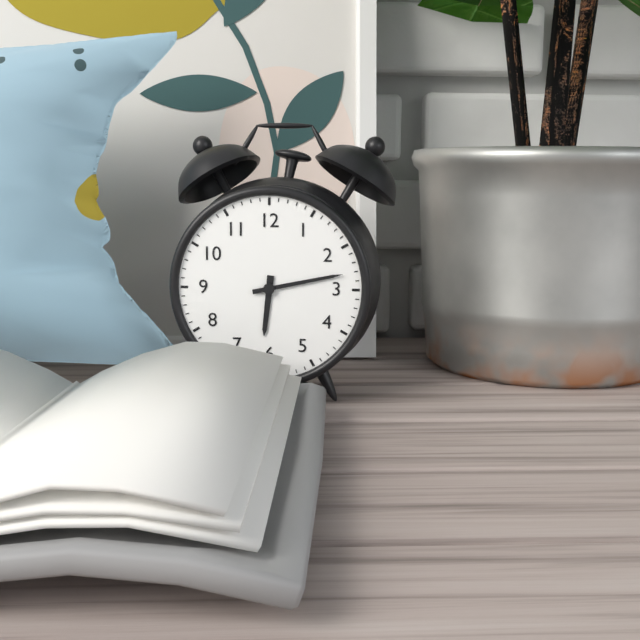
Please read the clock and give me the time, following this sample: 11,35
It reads 6,13
